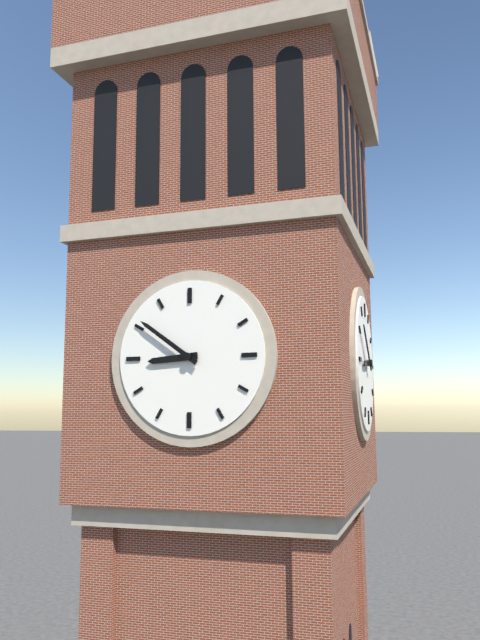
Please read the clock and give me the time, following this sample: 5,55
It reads 8,51
